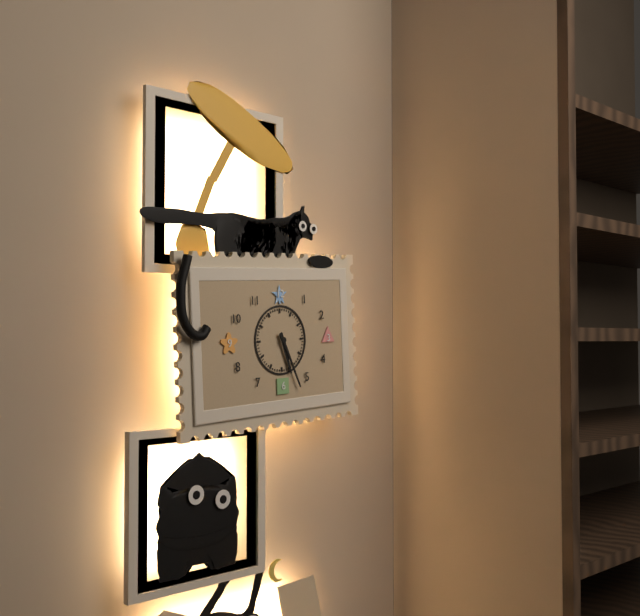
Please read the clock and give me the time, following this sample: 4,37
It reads 5,26
